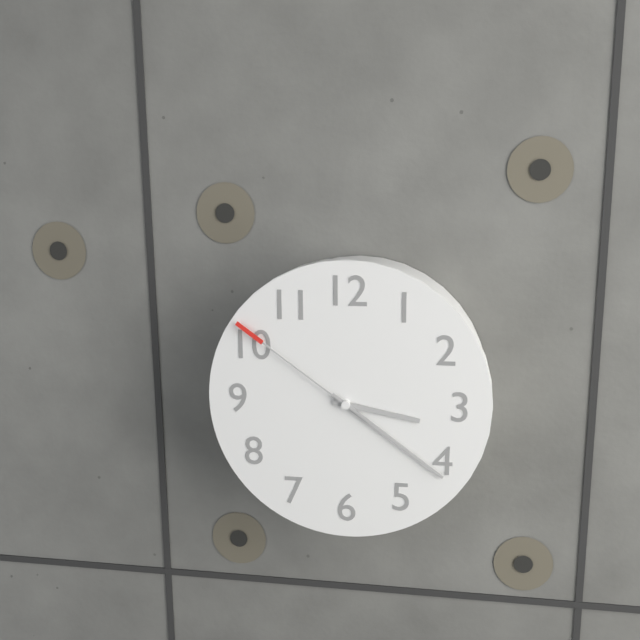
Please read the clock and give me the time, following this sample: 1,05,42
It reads 3,21,51
